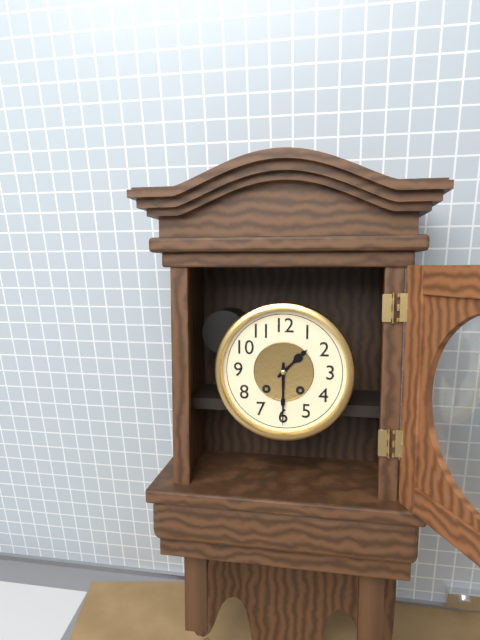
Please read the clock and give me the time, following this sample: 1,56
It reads 1,30
